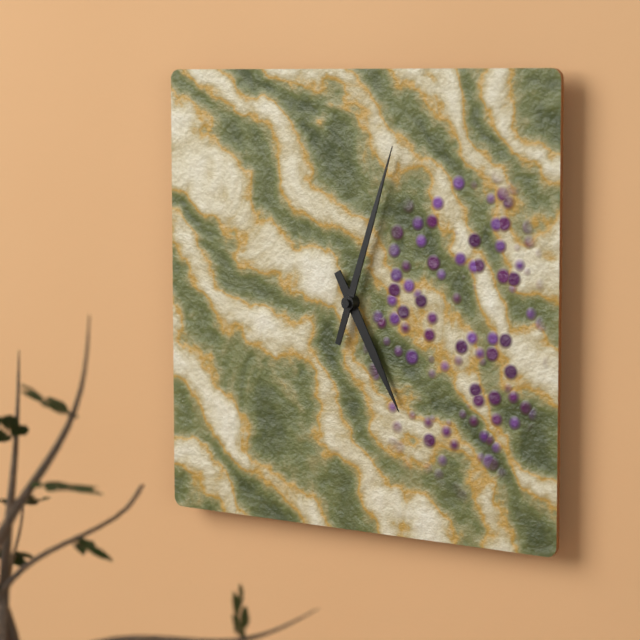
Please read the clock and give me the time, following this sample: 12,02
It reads 5,03
